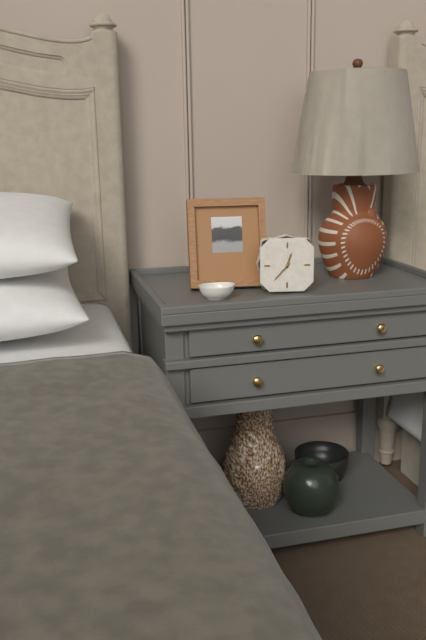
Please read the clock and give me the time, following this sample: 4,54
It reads 12,37
